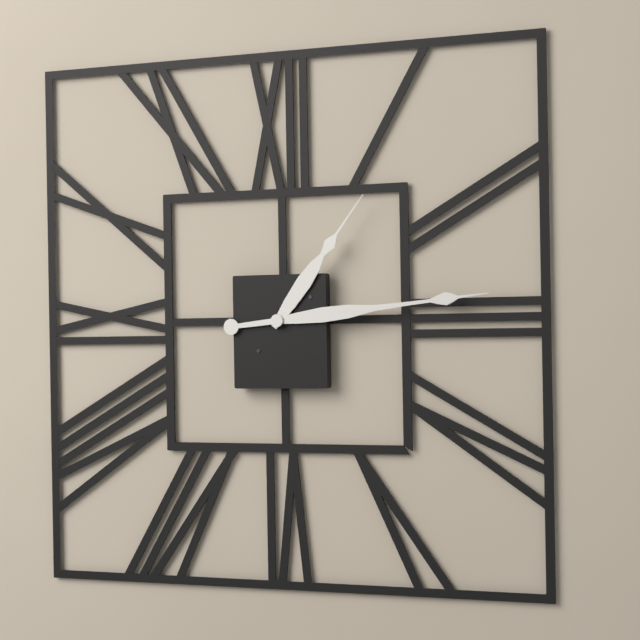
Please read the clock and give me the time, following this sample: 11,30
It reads 1,14
